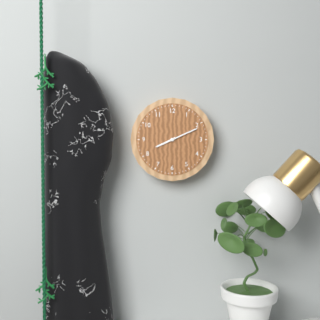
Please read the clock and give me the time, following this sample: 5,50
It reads 8,11
